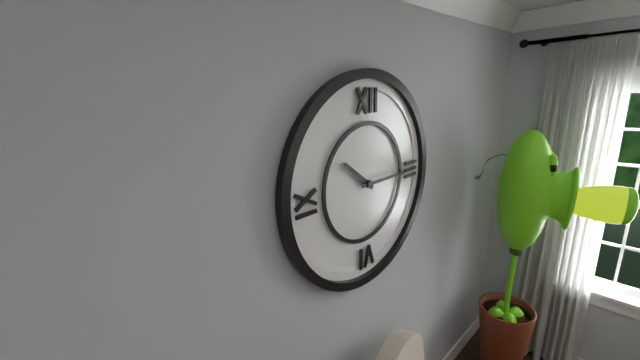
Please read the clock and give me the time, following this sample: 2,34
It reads 10,15
